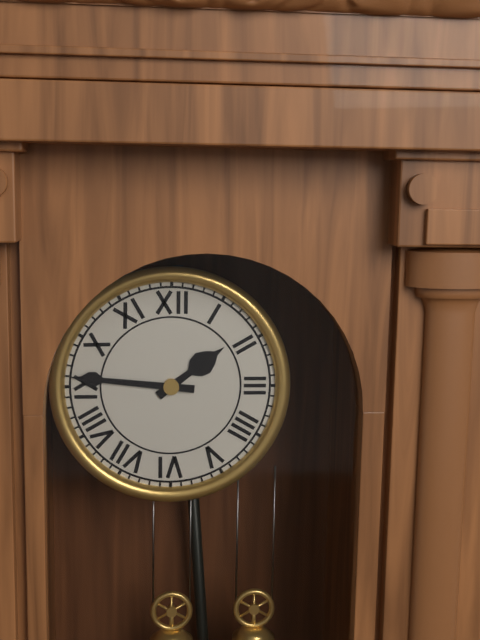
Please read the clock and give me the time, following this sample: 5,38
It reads 1,46
